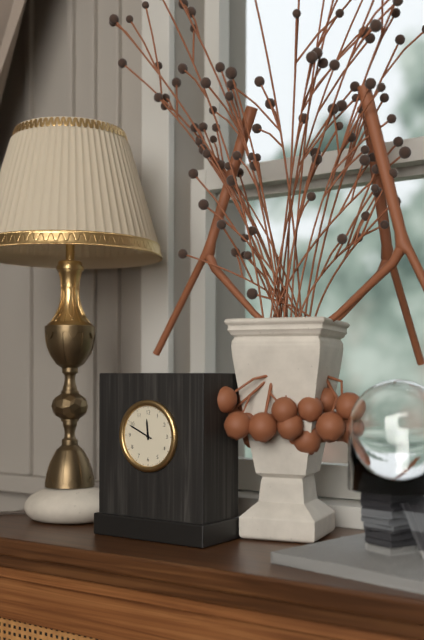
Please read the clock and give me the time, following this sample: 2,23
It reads 11,49
